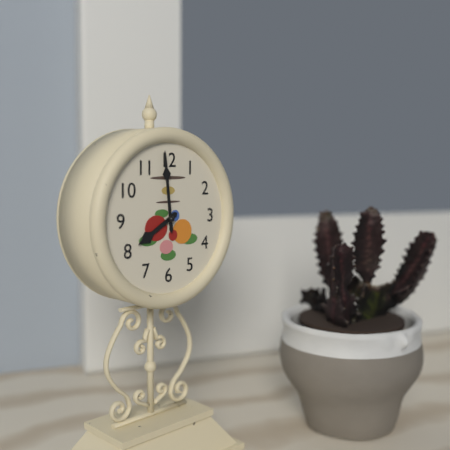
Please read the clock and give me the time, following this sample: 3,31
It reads 7,59
